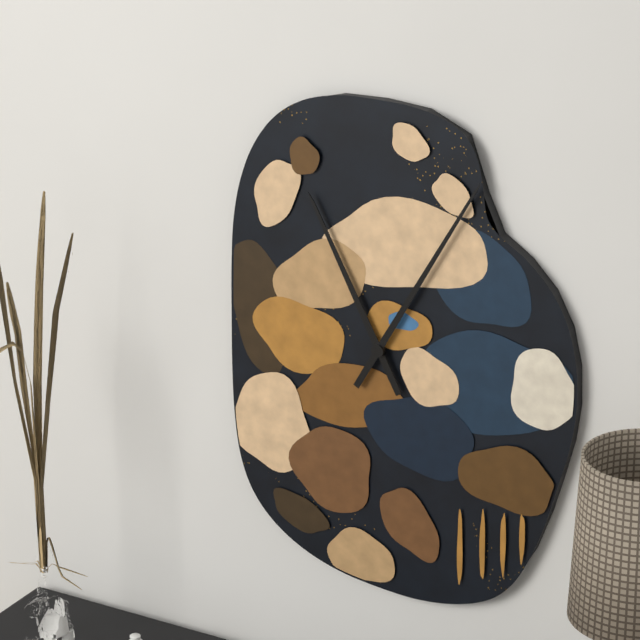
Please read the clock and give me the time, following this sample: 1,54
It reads 11,05
